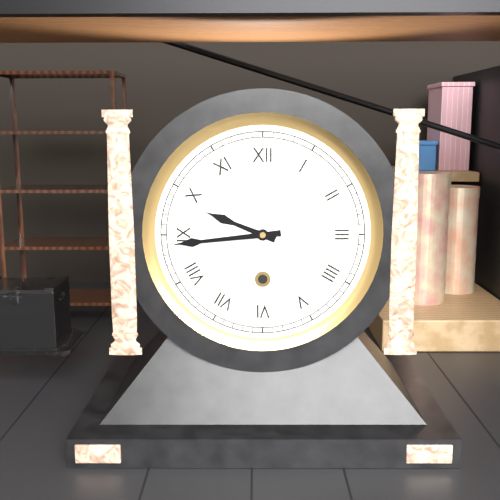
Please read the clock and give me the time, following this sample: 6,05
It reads 9,44
